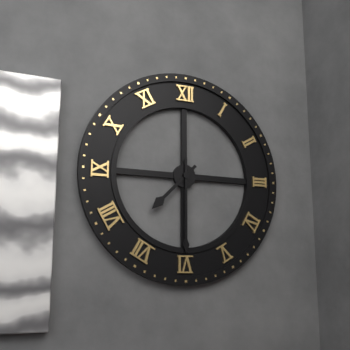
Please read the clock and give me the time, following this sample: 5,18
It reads 7,30
